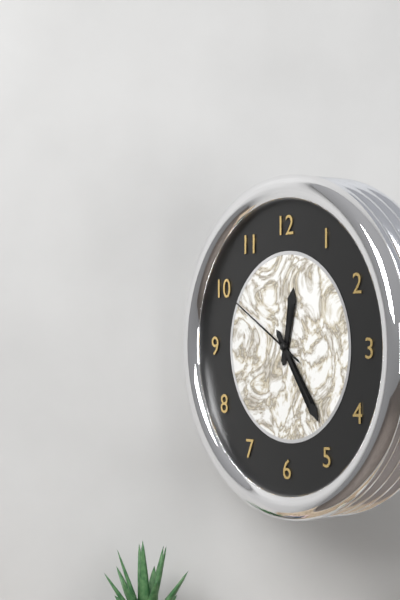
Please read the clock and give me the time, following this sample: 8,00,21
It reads 12,24,50
